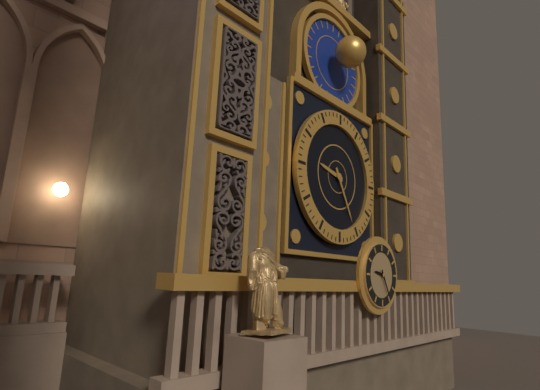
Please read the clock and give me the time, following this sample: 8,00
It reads 9,25
